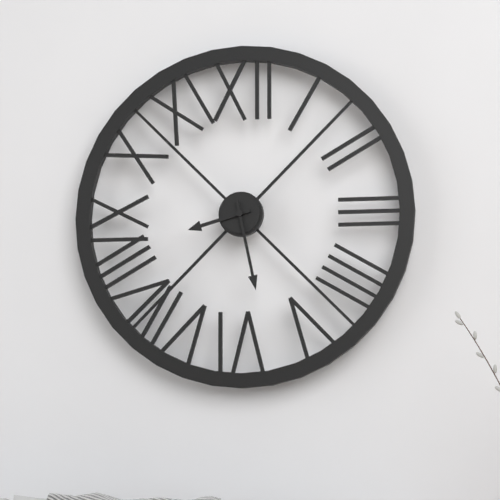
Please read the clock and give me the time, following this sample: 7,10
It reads 8,28
